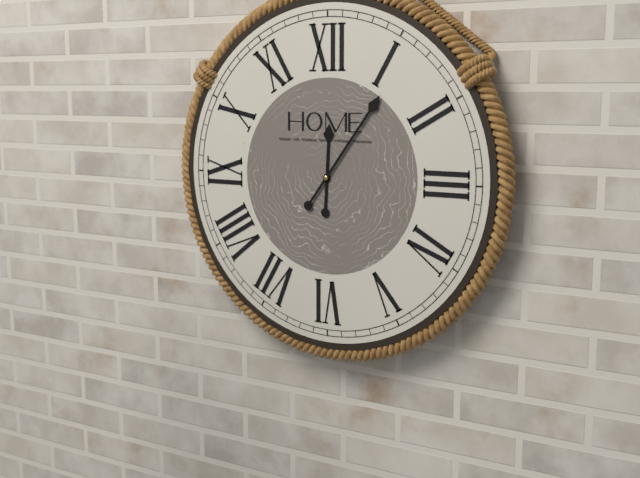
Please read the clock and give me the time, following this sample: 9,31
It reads 12,06
